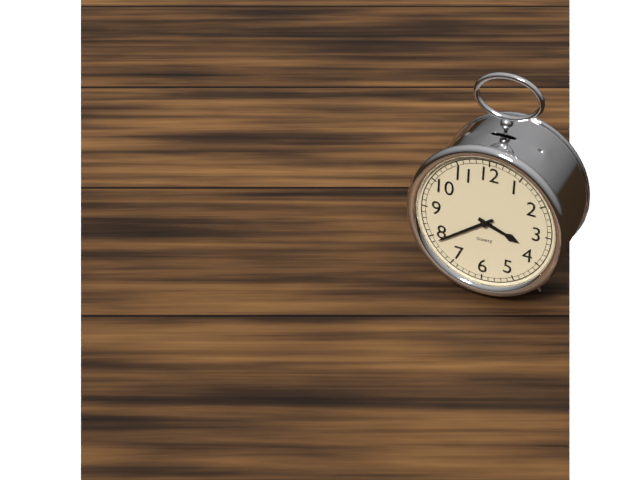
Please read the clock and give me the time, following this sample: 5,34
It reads 3,39
